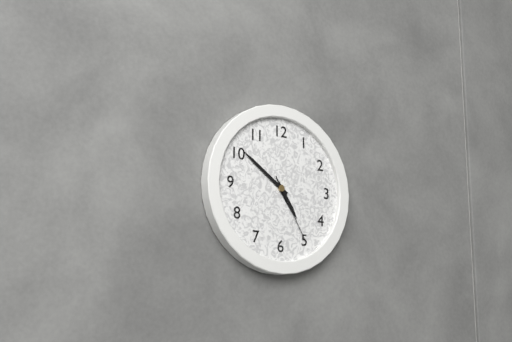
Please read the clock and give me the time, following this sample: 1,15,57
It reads 4,51,25
